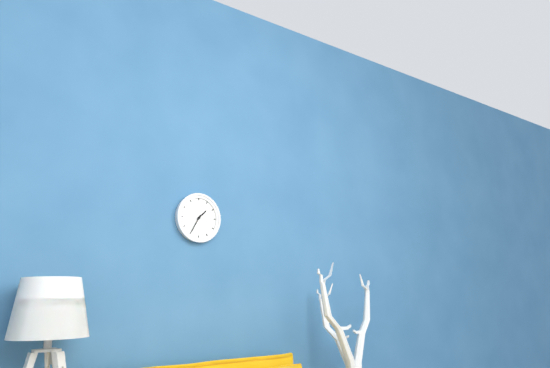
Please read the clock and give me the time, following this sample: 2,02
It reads 1,35
